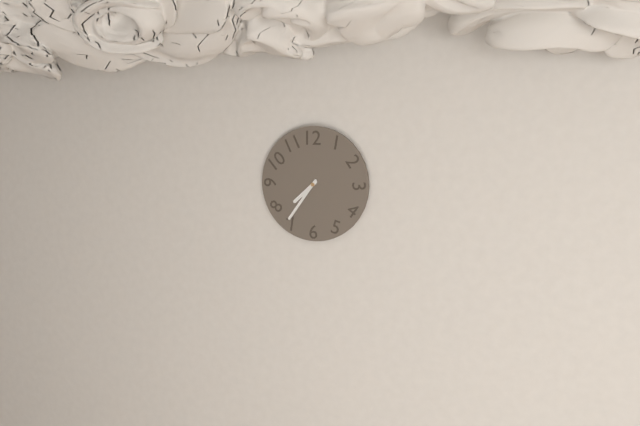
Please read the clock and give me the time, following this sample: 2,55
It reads 7,36
